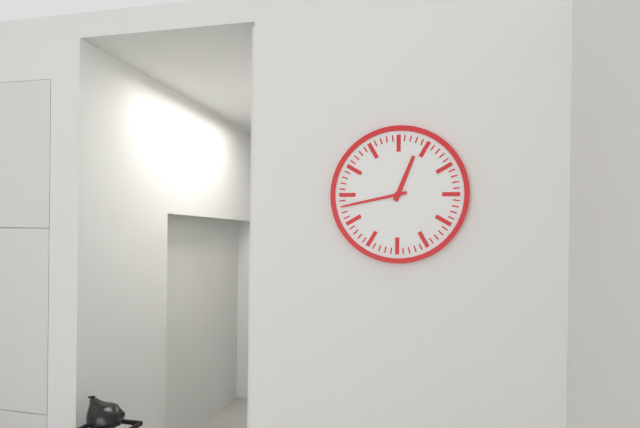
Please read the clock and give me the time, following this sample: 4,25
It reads 12,43
